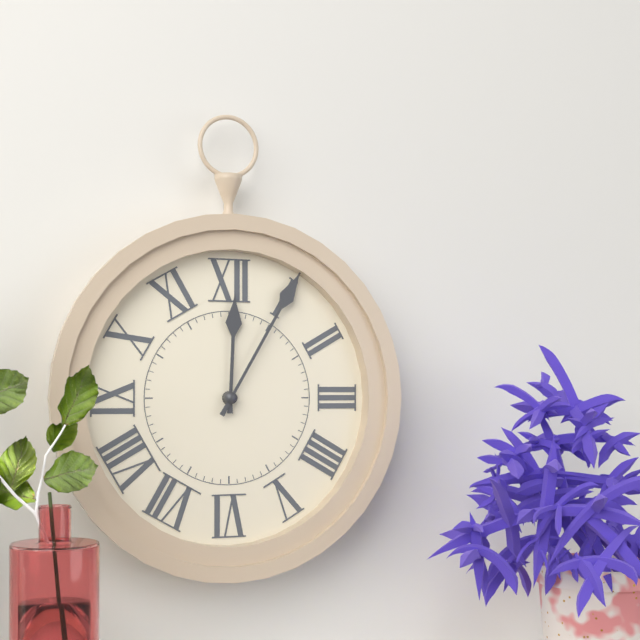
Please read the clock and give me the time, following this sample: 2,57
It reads 12,05
